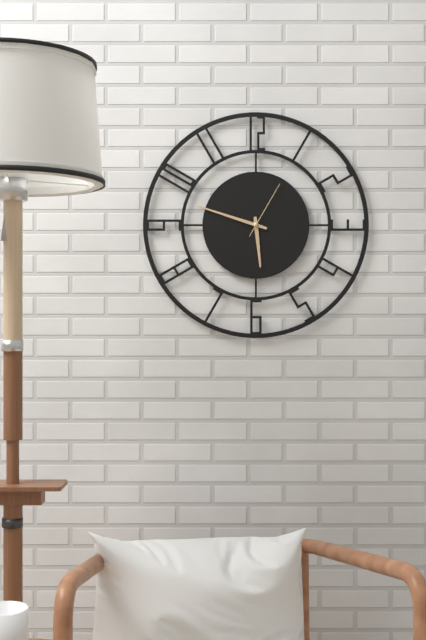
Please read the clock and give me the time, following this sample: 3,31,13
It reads 5,48,05
